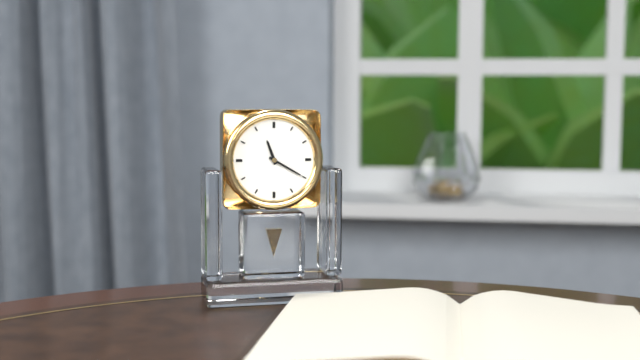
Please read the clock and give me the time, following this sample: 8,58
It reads 11,20
